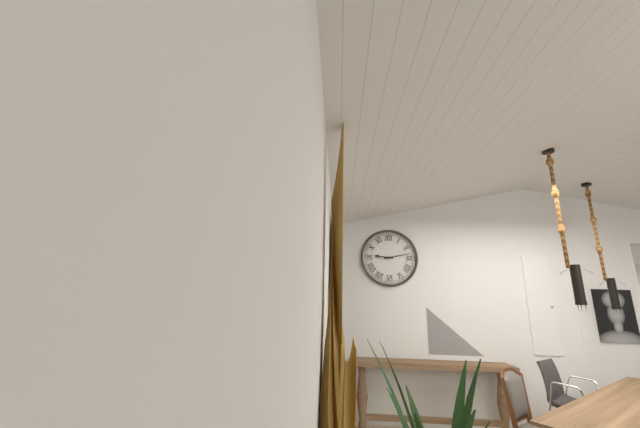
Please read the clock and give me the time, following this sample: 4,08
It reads 9,13
